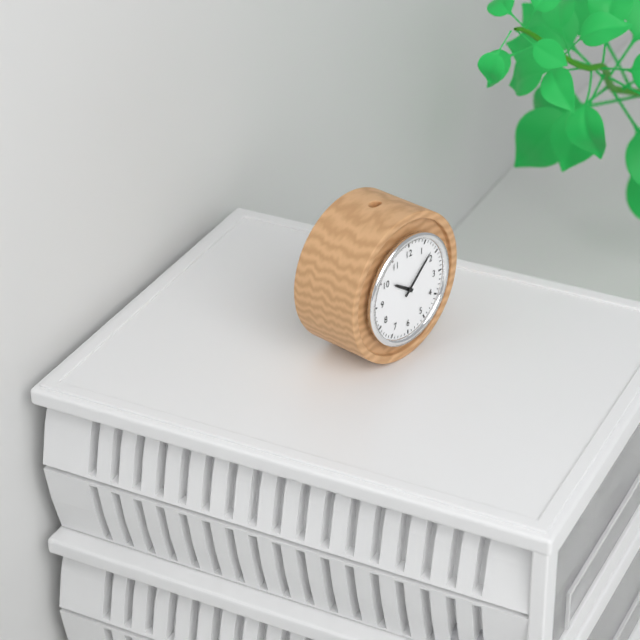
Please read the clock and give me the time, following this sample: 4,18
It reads 10,08
